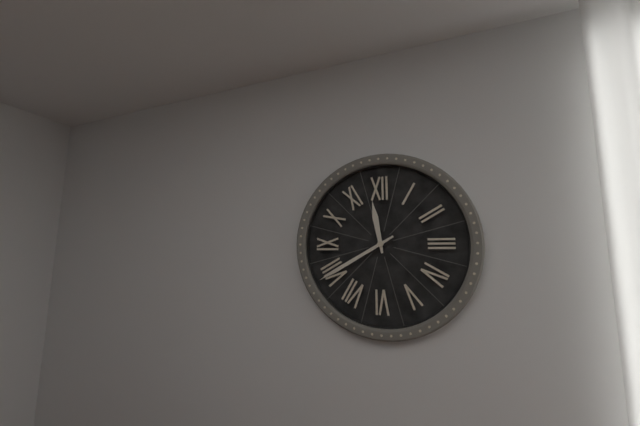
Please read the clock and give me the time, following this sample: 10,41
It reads 11,40
